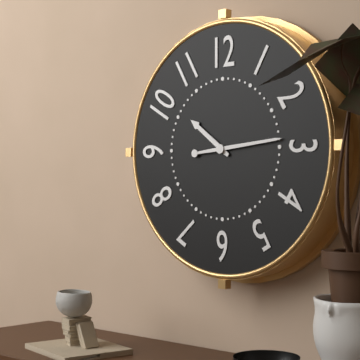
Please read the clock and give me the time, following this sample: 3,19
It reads 10,14
